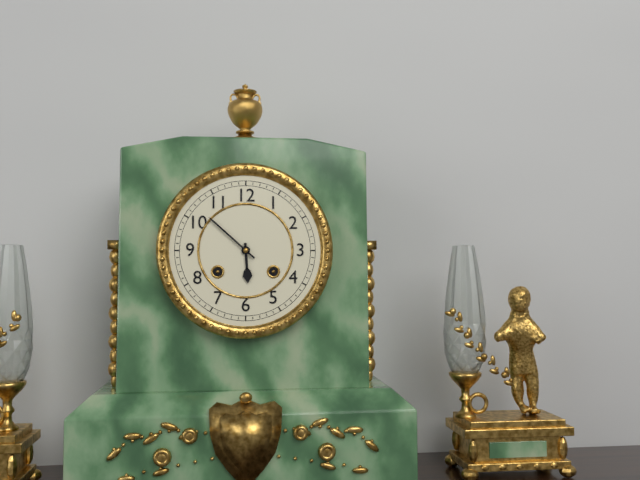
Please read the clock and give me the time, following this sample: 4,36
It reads 5,52
